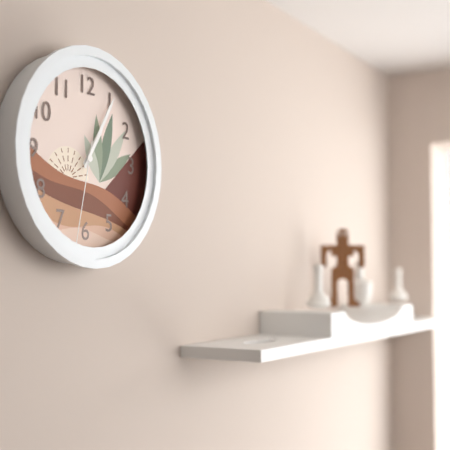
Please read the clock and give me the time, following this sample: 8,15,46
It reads 1,05,32
